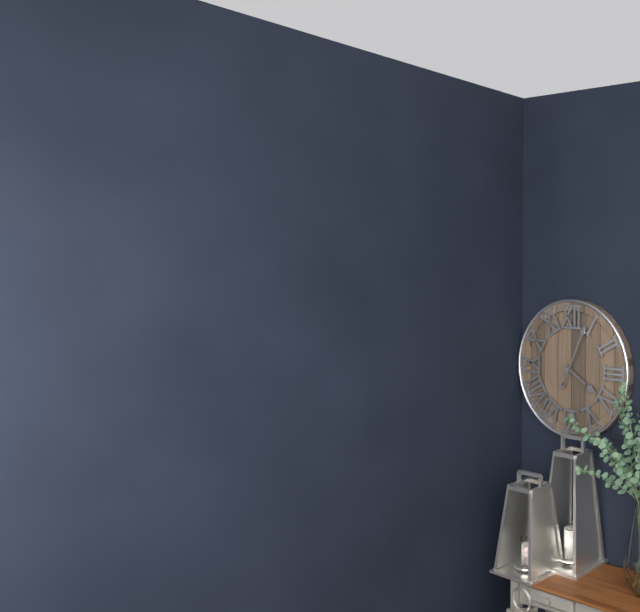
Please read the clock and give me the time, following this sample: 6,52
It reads 4,04
